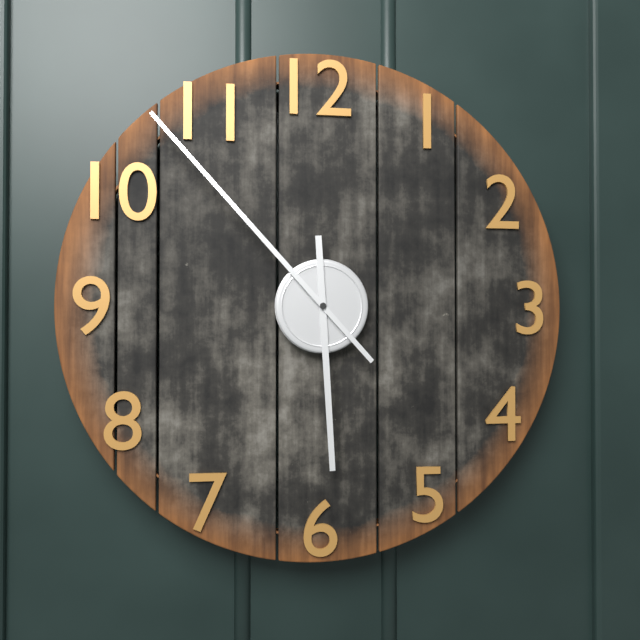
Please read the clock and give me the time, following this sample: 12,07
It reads 5,53
